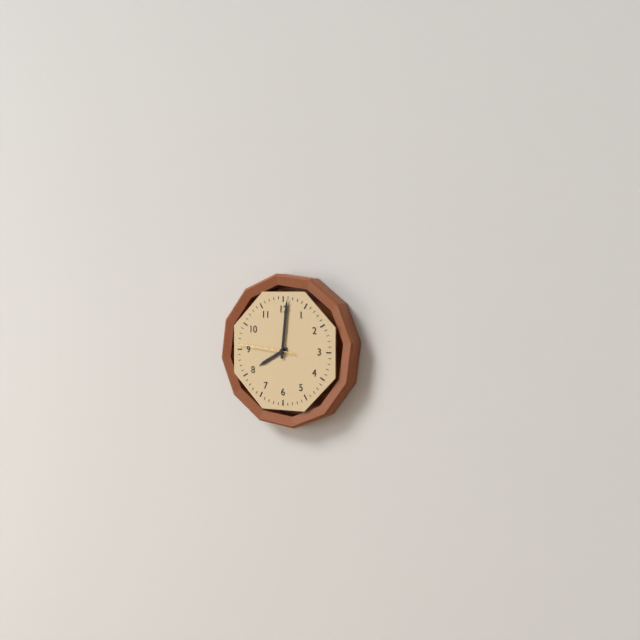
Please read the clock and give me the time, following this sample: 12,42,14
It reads 8,01,46
